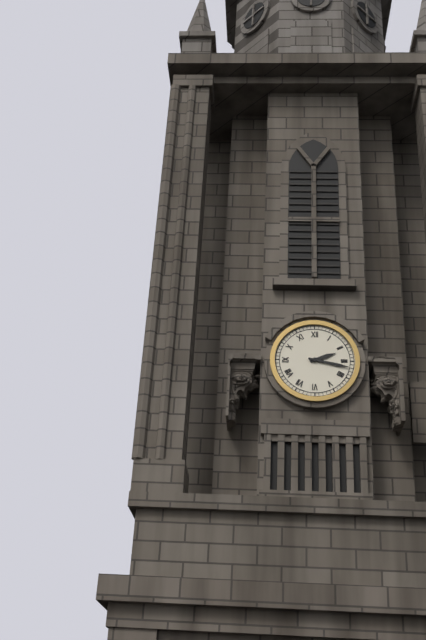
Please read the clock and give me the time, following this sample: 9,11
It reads 2,17
